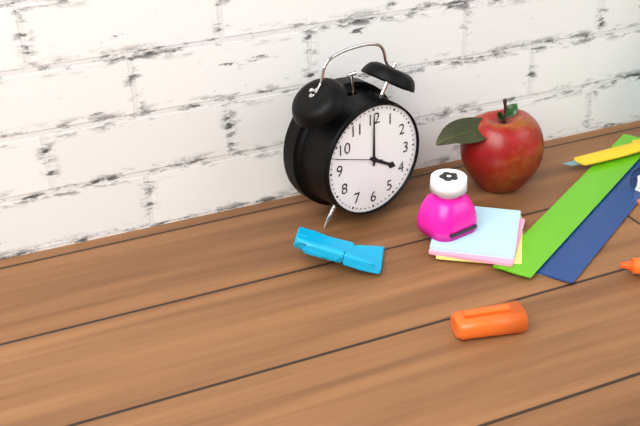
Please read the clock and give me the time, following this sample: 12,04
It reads 4,00
